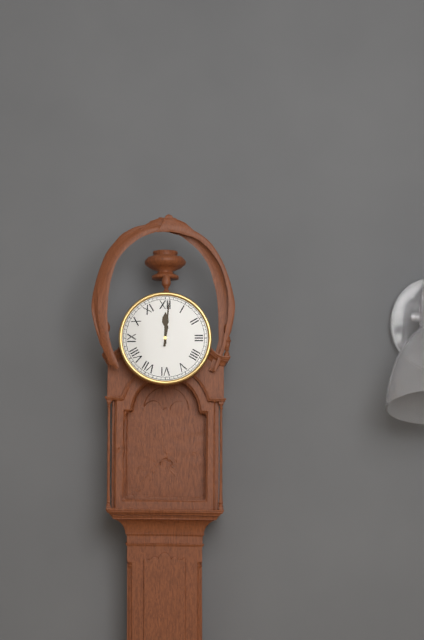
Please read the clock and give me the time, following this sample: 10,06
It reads 12,01
